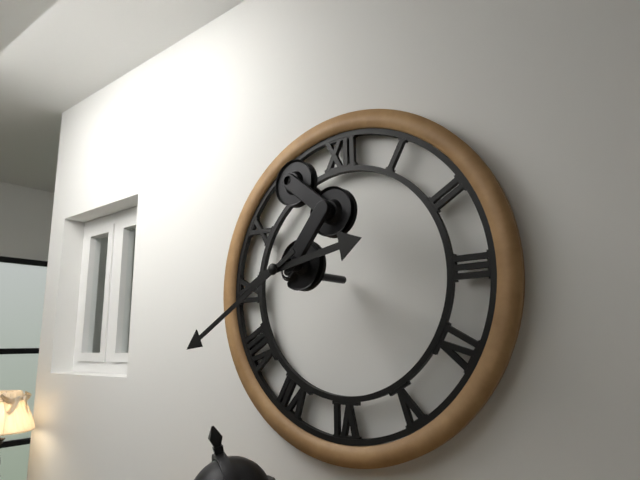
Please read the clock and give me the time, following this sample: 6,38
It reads 2,40
